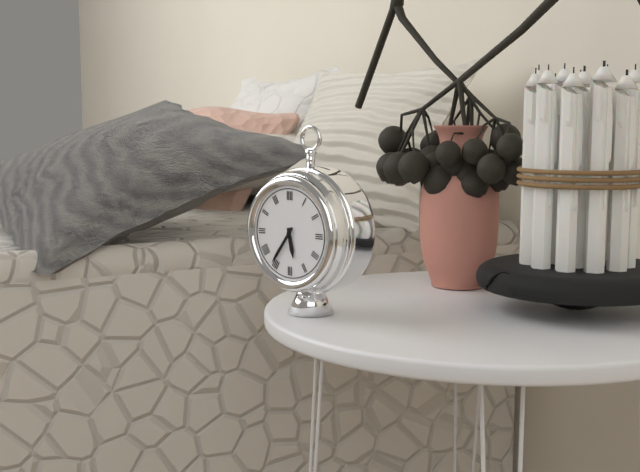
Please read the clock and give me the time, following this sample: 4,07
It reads 5,36
